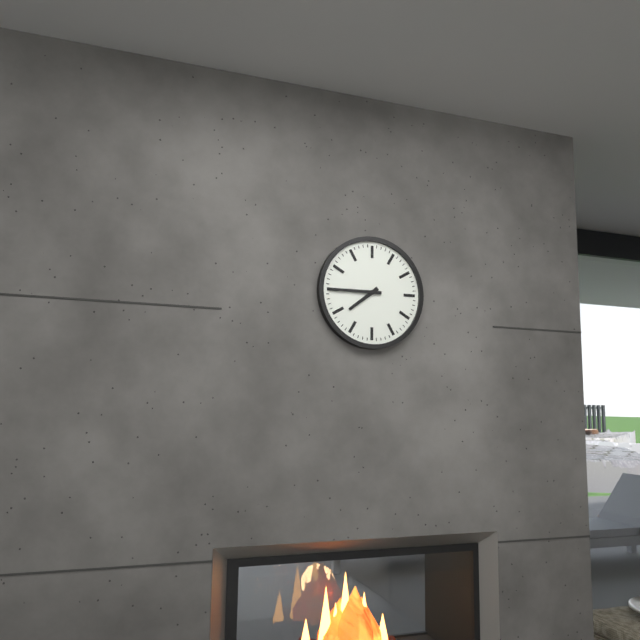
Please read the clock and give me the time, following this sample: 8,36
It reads 7,45
